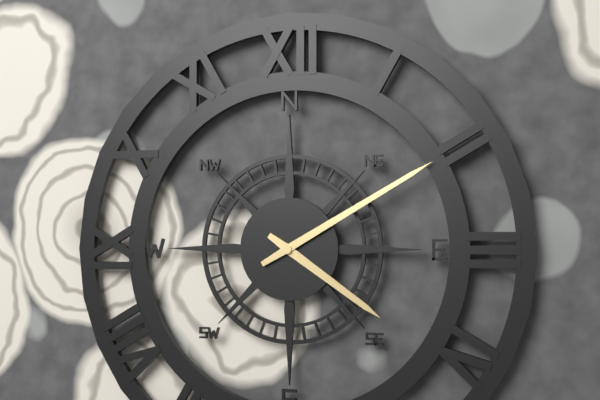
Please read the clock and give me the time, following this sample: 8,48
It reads 4,10
